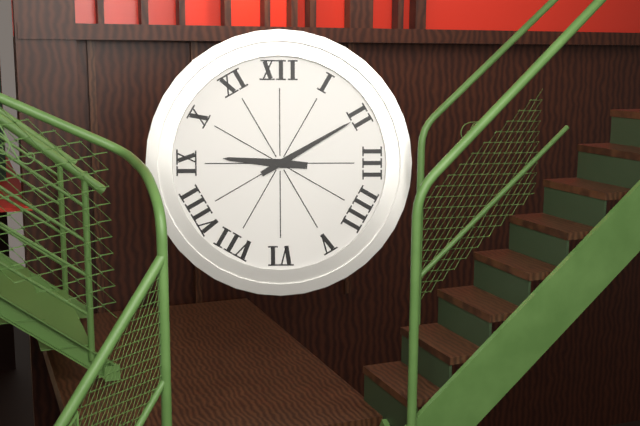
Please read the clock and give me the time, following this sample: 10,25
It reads 9,10
